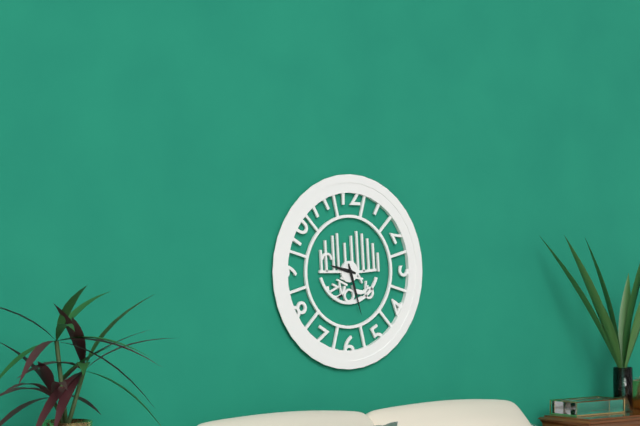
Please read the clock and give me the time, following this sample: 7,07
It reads 9,27
